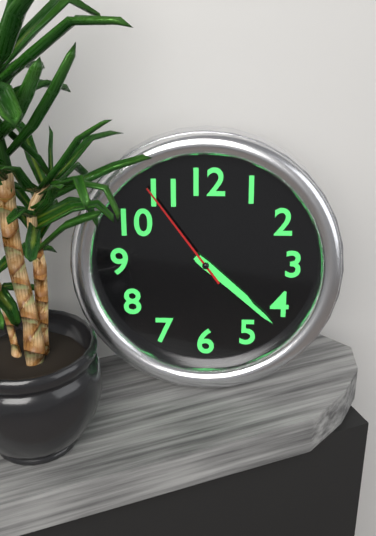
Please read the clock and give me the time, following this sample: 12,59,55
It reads 4,22,54
